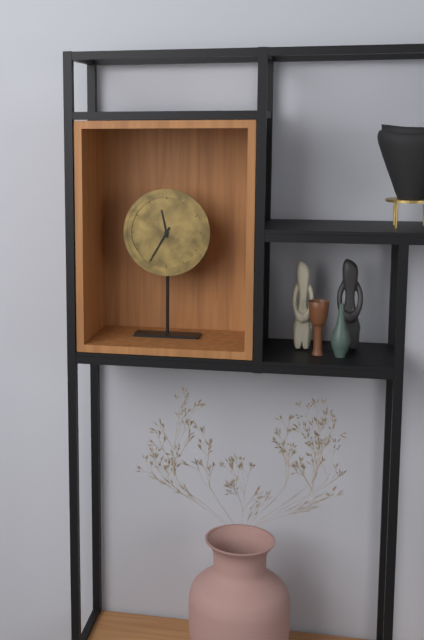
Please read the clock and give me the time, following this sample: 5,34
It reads 11,35
